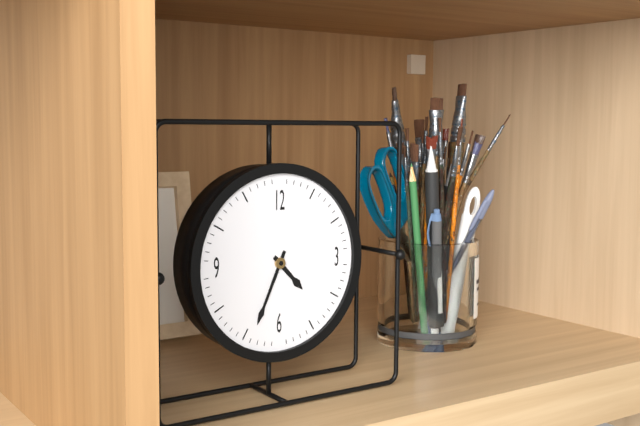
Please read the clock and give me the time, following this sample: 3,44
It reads 4,34
